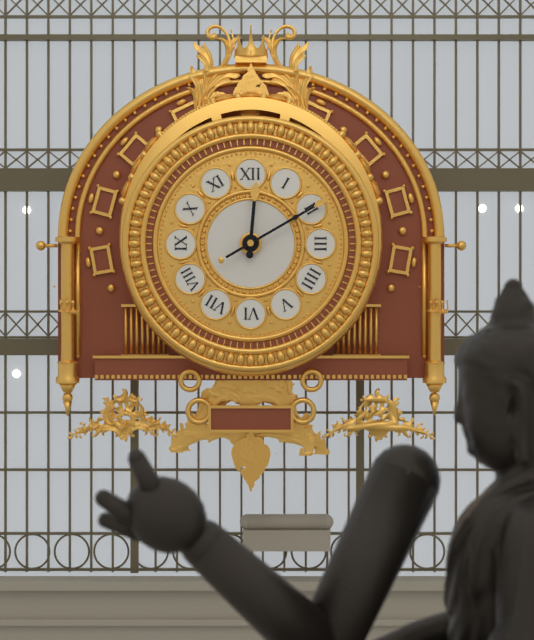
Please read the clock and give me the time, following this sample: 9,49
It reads 12,10
